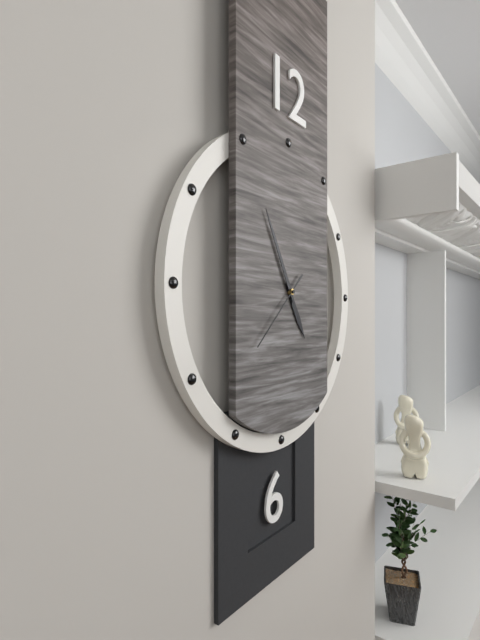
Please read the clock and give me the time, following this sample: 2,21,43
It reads 4,55,38
